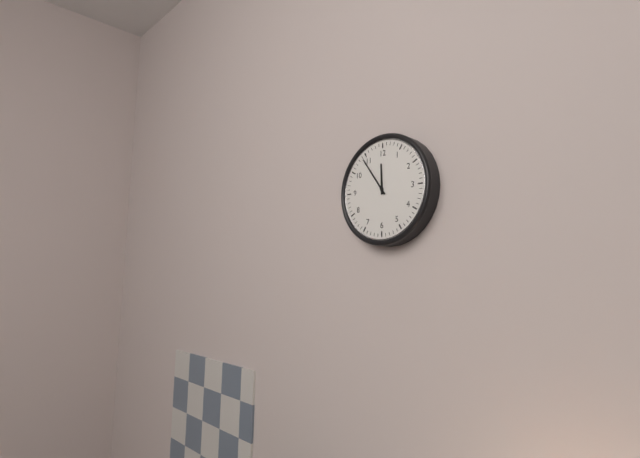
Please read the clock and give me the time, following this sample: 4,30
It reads 11,54
